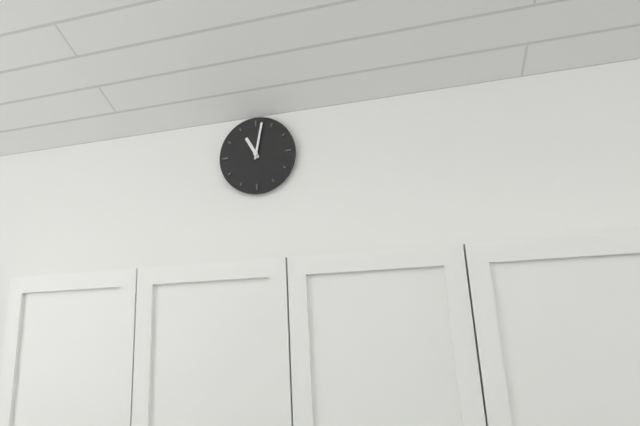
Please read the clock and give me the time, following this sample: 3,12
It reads 11,02
